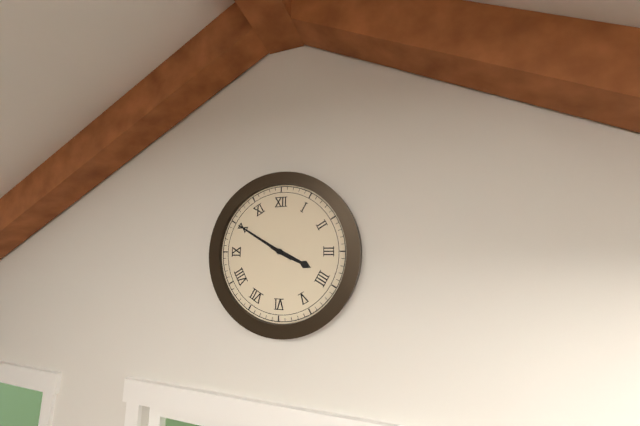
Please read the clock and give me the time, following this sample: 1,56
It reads 3,50
